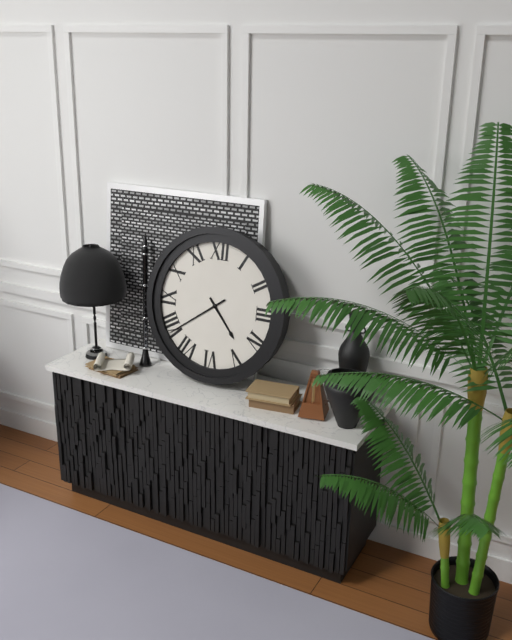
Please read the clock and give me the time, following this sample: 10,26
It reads 4,39
